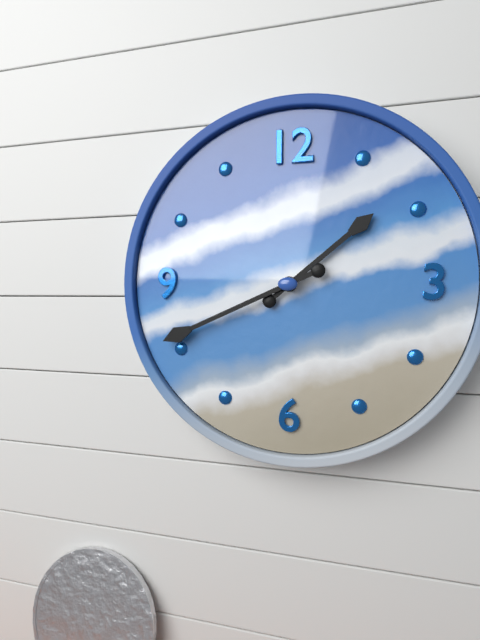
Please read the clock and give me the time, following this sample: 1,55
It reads 1,41
